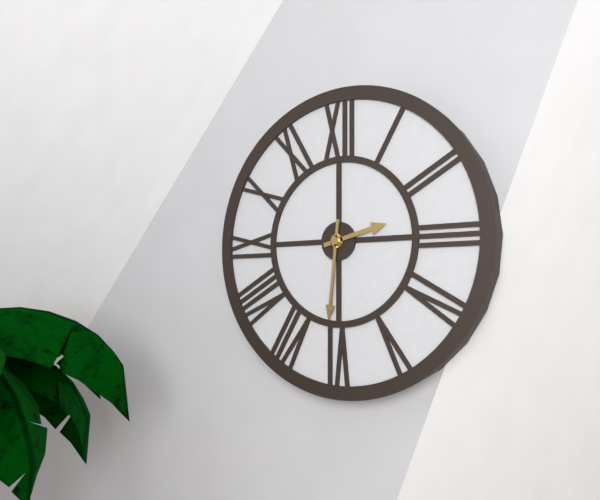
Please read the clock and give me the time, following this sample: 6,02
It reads 2,31
